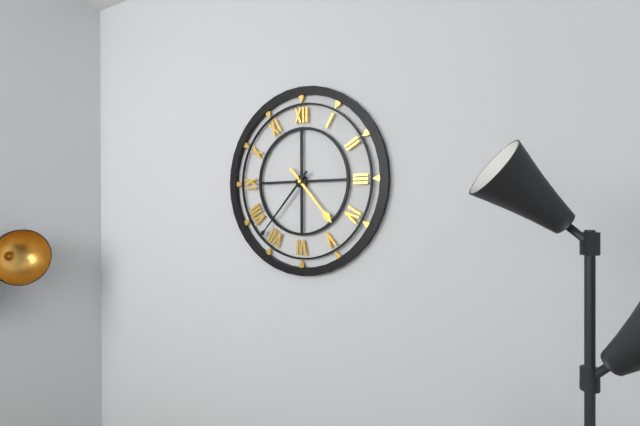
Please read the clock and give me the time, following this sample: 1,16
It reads 4,37
